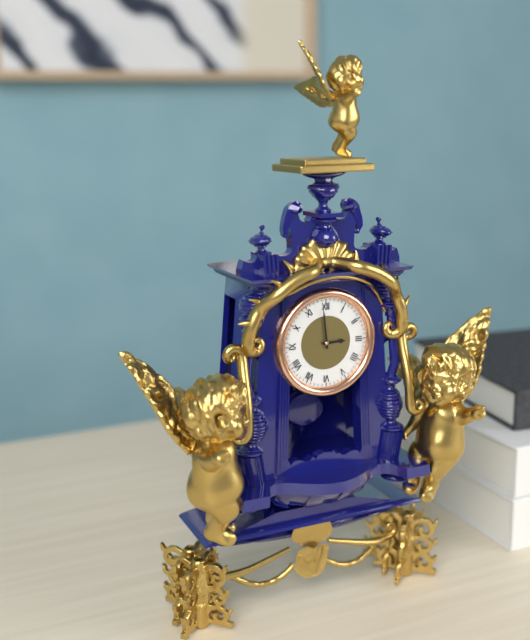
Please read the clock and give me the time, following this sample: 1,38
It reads 2,59
